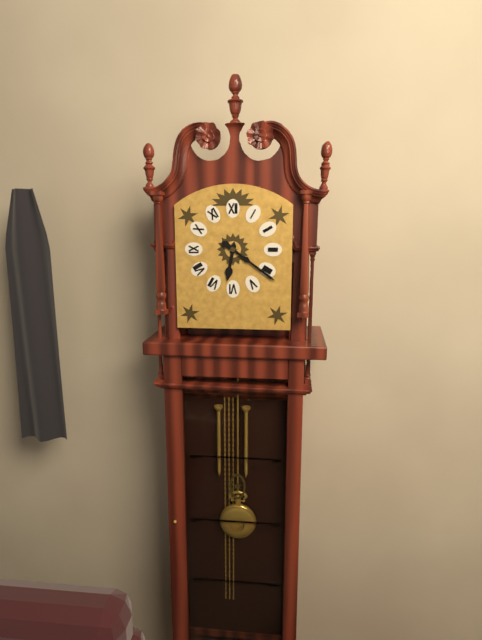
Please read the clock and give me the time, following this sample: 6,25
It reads 6,21
